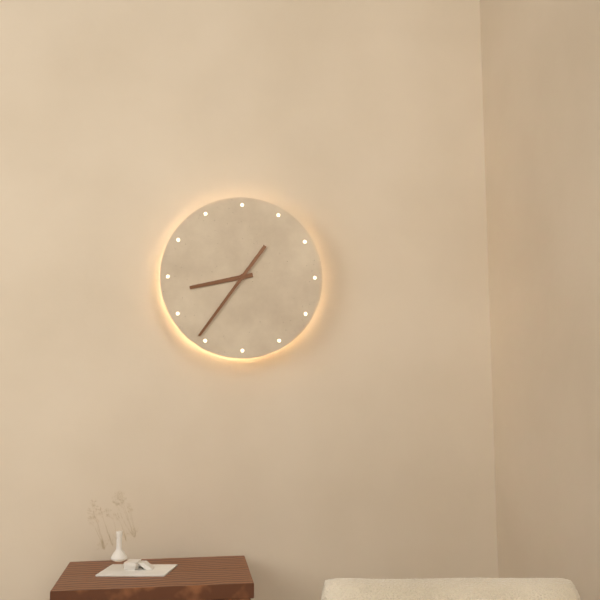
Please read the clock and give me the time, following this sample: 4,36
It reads 8,36
